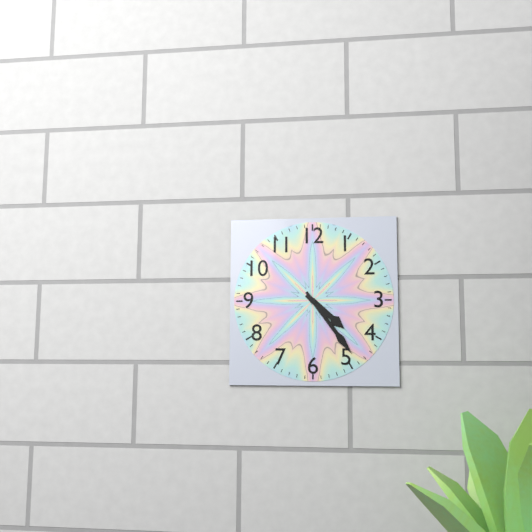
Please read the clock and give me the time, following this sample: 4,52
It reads 4,24
